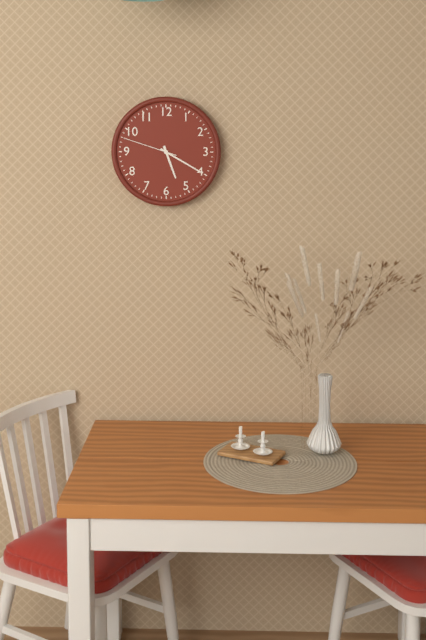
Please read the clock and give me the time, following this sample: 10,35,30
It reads 5,20,48
